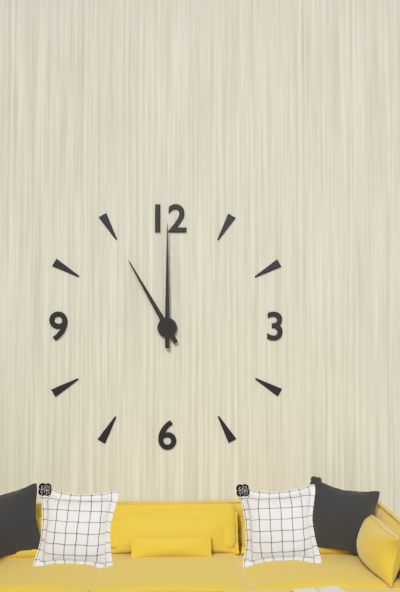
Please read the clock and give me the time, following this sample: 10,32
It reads 11,00
